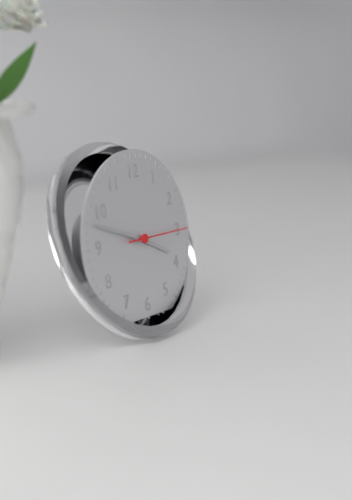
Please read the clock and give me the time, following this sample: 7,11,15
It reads 3,48,15
